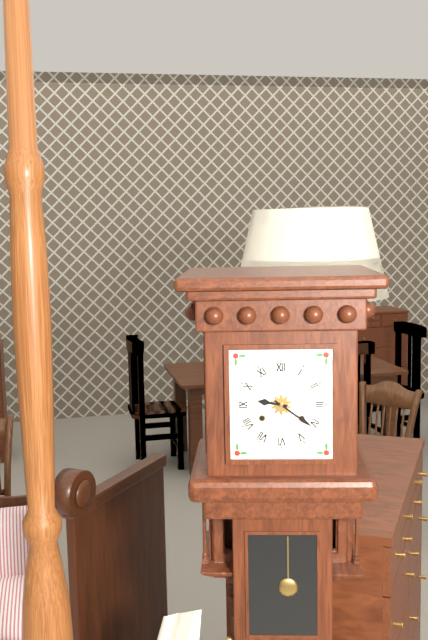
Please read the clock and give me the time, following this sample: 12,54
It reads 9,21
